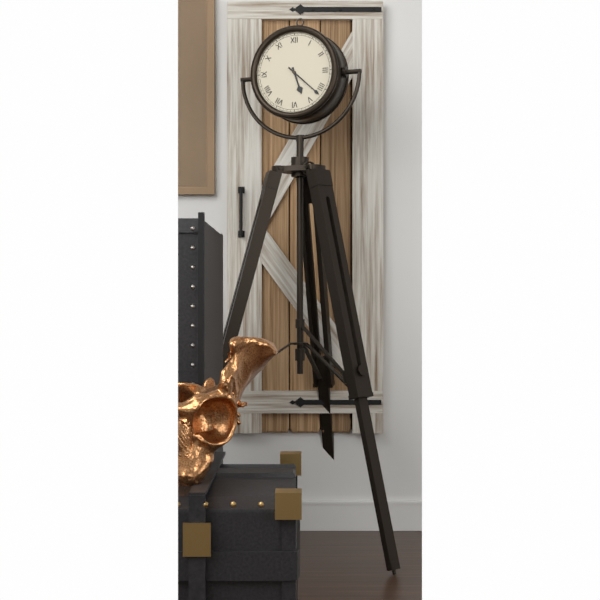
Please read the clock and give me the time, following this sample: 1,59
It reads 5,22
